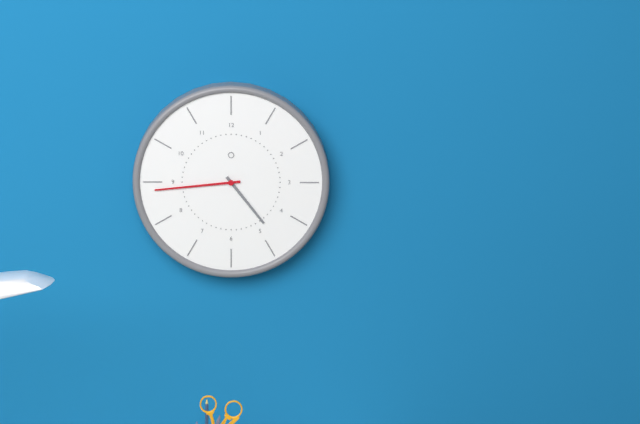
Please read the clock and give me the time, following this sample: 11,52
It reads 4,44
